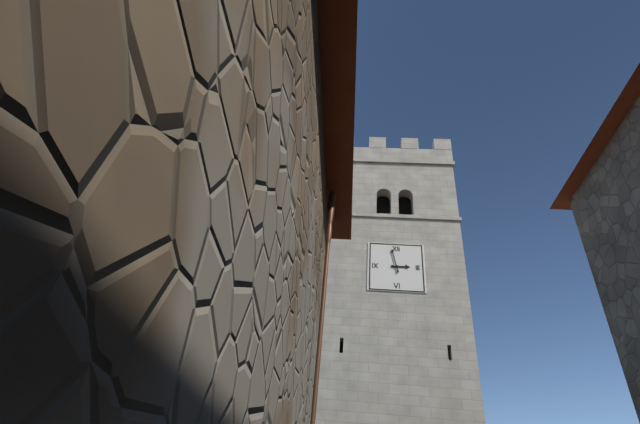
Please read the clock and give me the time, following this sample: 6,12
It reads 2,58
